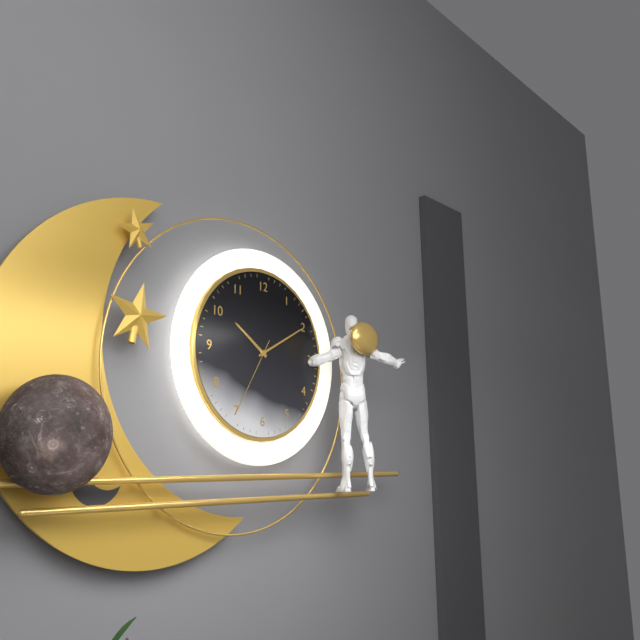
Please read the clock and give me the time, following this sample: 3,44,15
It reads 10,10,35
